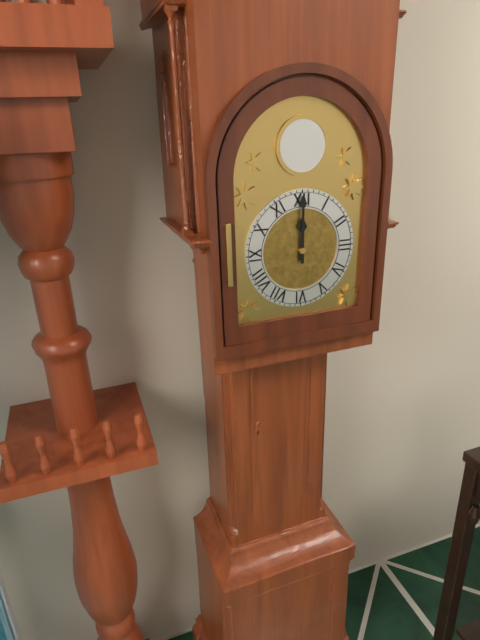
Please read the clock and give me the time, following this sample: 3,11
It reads 12,00
